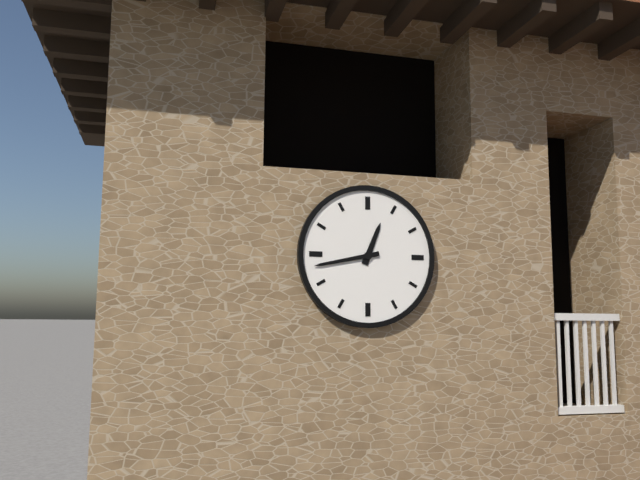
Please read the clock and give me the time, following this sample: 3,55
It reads 12,43
